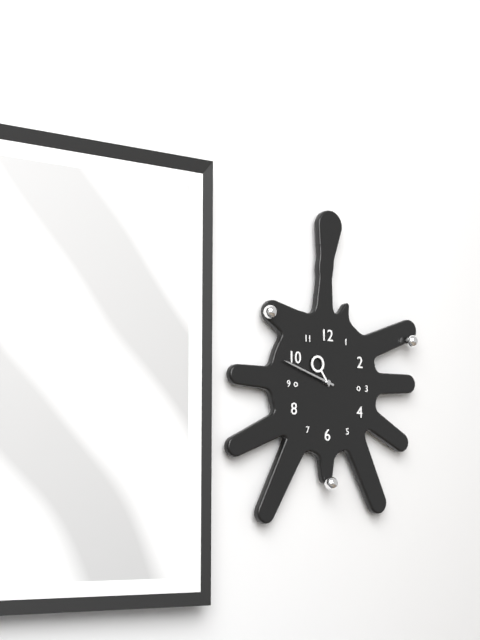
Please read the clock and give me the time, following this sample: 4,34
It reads 10,48
